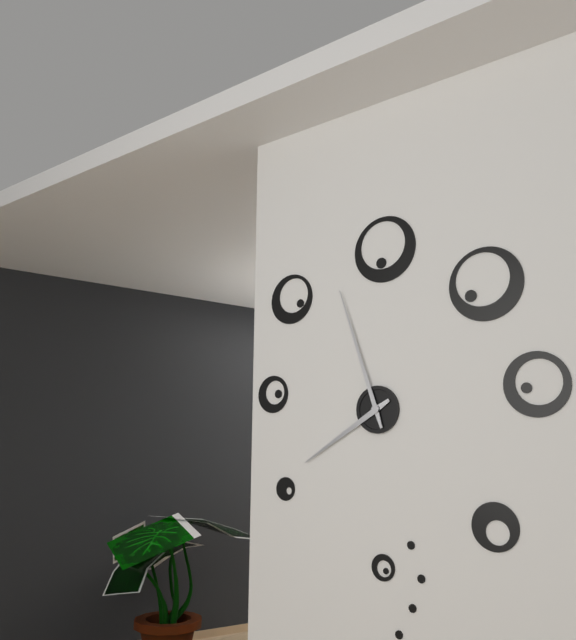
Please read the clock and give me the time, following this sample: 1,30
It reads 7,57
